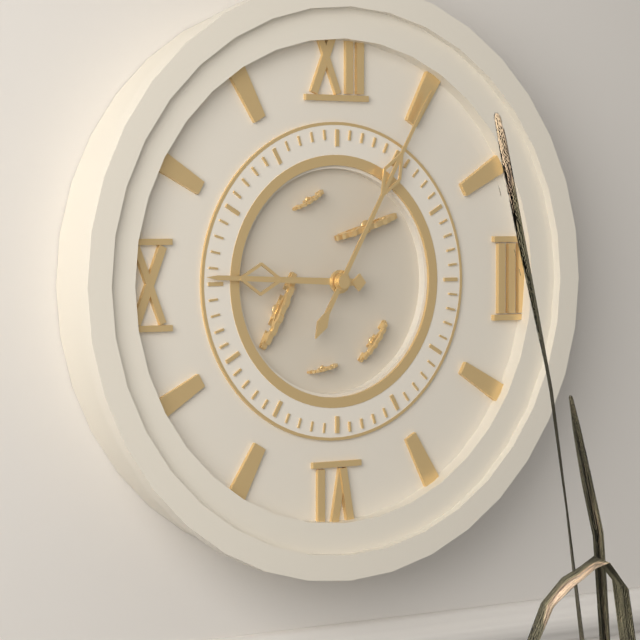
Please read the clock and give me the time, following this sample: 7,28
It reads 9,05
